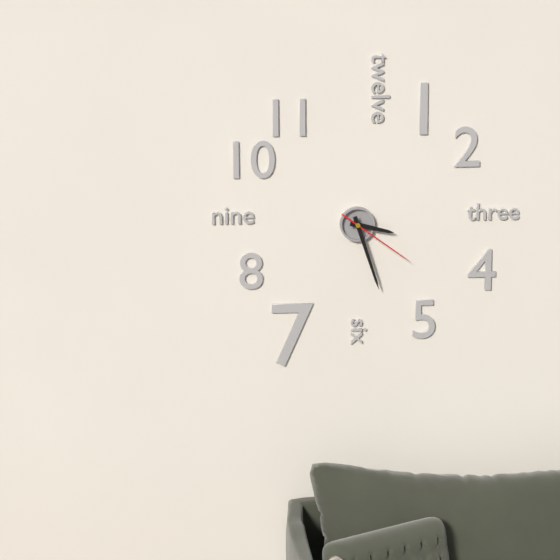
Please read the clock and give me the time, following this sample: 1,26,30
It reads 3,27,21
